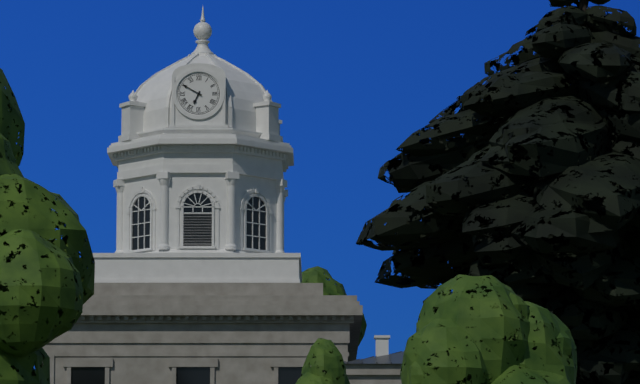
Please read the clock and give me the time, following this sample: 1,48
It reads 6,50
